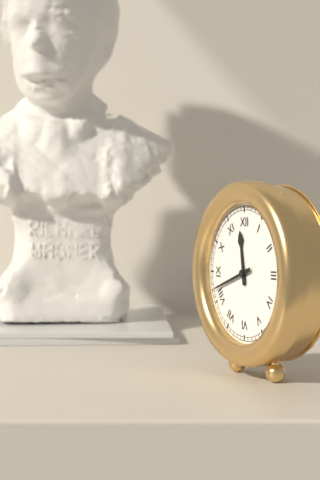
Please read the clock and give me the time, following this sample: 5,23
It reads 11,42
